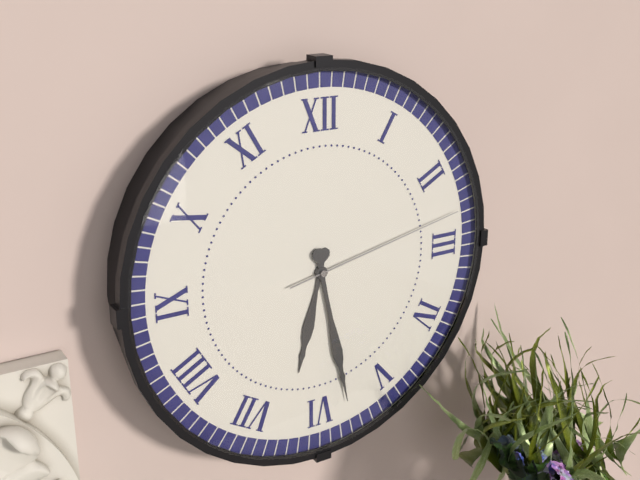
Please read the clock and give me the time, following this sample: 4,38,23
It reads 6,28,13
